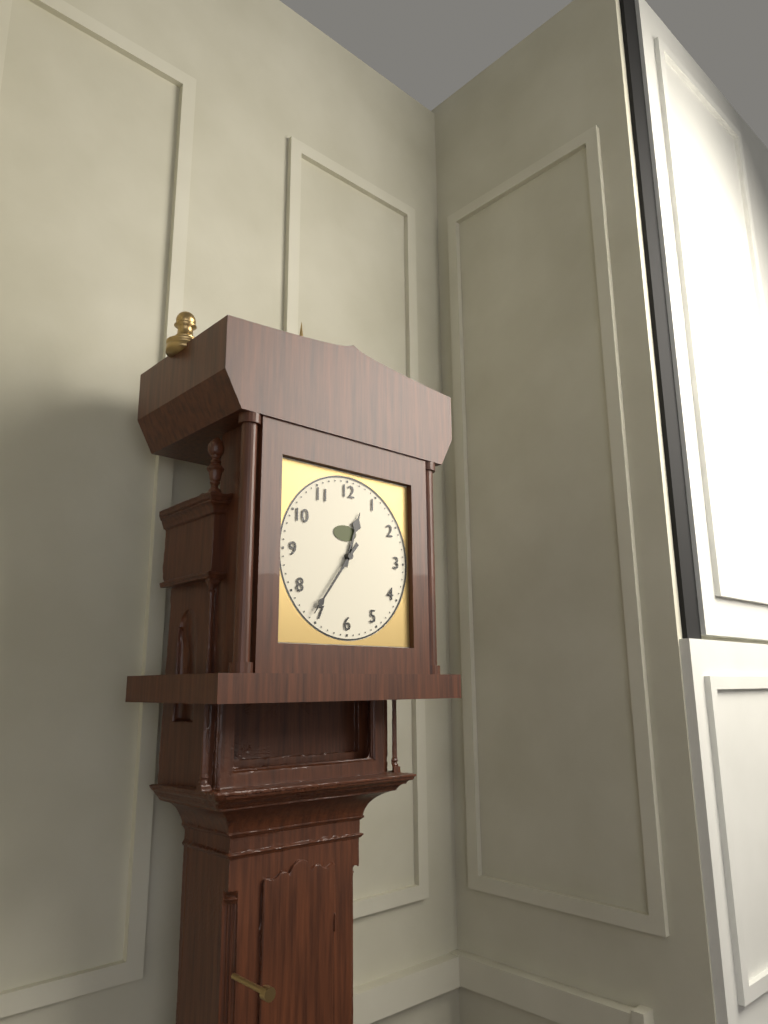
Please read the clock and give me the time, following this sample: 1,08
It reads 12,36
